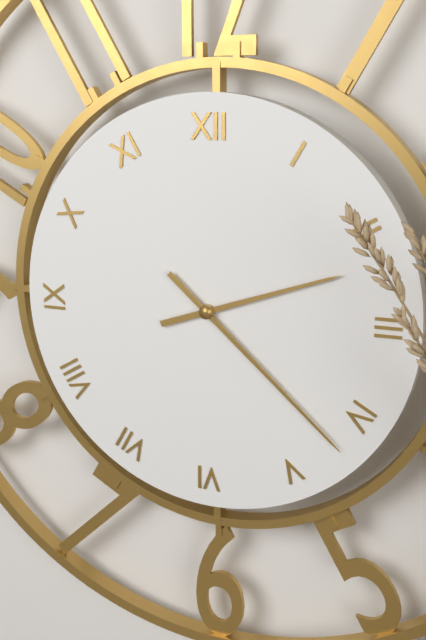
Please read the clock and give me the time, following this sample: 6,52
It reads 2,22
